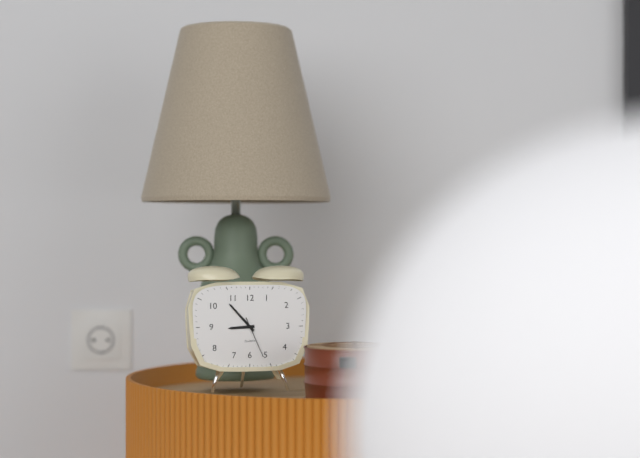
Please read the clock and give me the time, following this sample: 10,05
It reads 8,53
